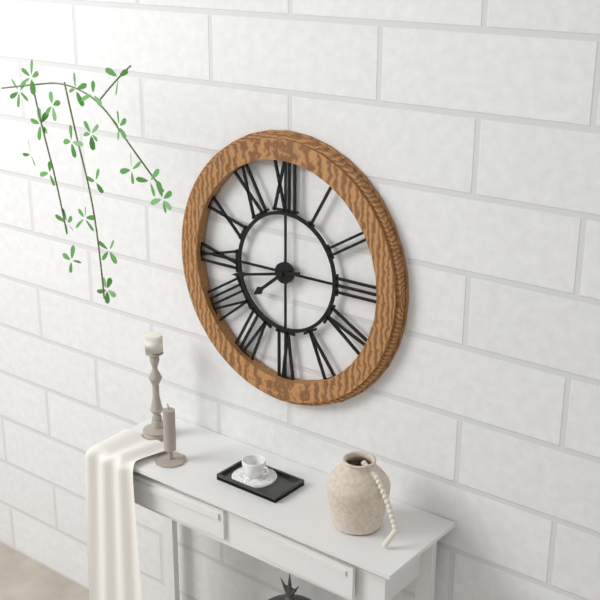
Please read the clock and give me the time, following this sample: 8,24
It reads 7,43
